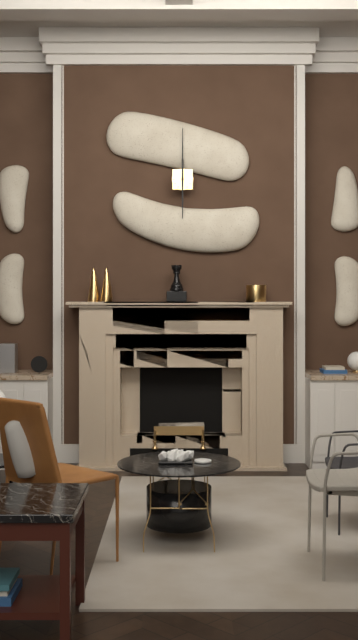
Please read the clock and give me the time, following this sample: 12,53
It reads 6,00
